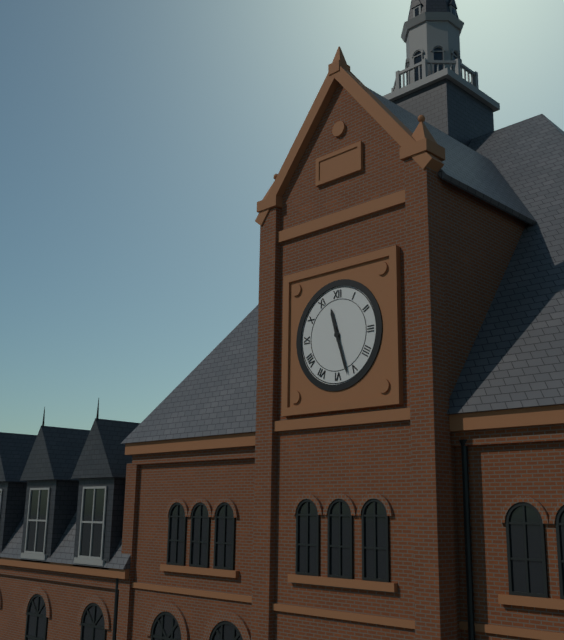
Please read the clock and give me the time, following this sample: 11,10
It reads 11,27
